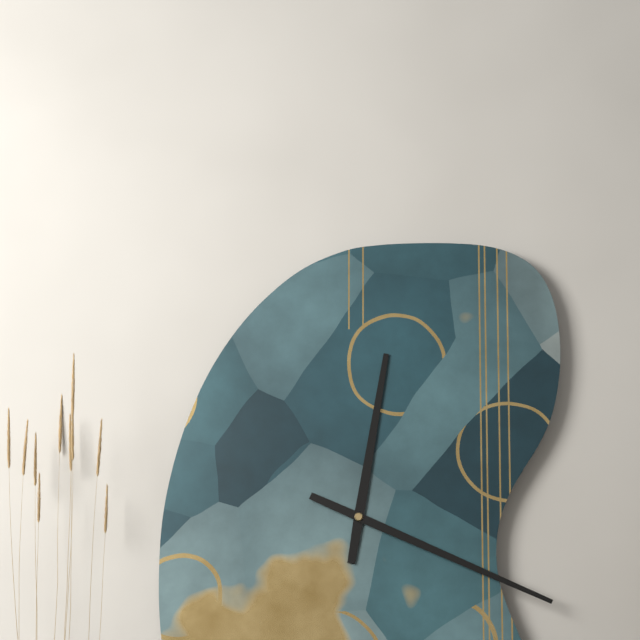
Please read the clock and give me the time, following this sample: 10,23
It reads 12,19
